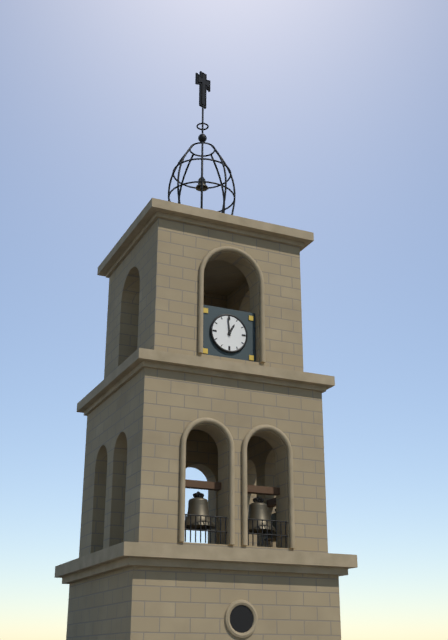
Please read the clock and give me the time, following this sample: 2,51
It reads 12,59
